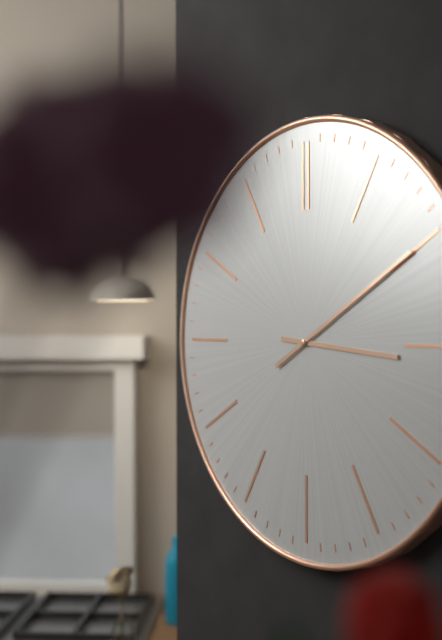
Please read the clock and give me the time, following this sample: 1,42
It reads 3,10
